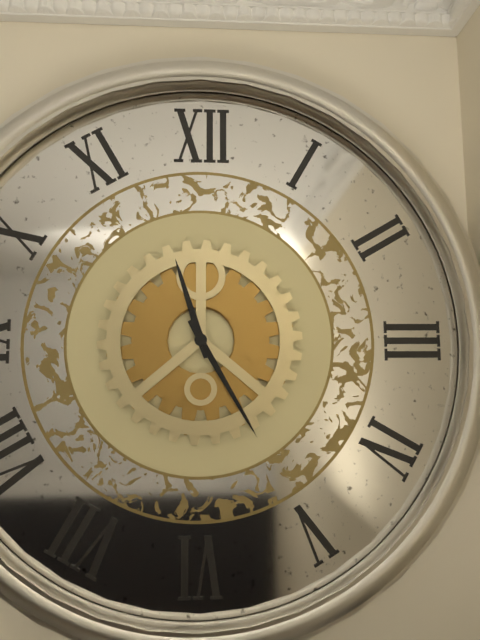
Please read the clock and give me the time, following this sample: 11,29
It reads 11,25
